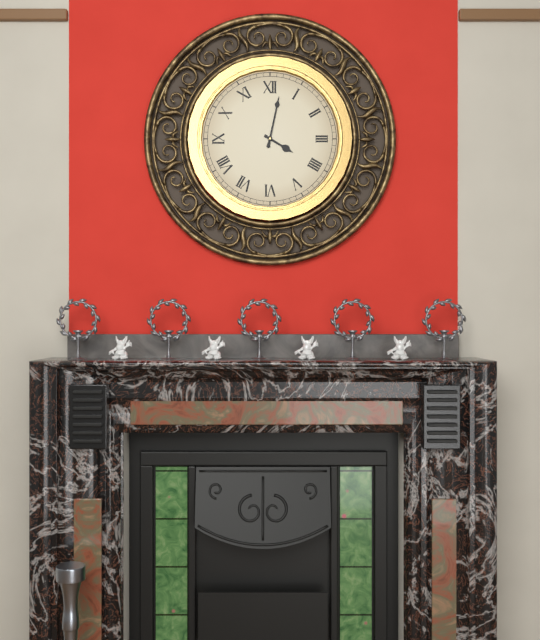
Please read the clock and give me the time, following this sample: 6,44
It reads 4,02
